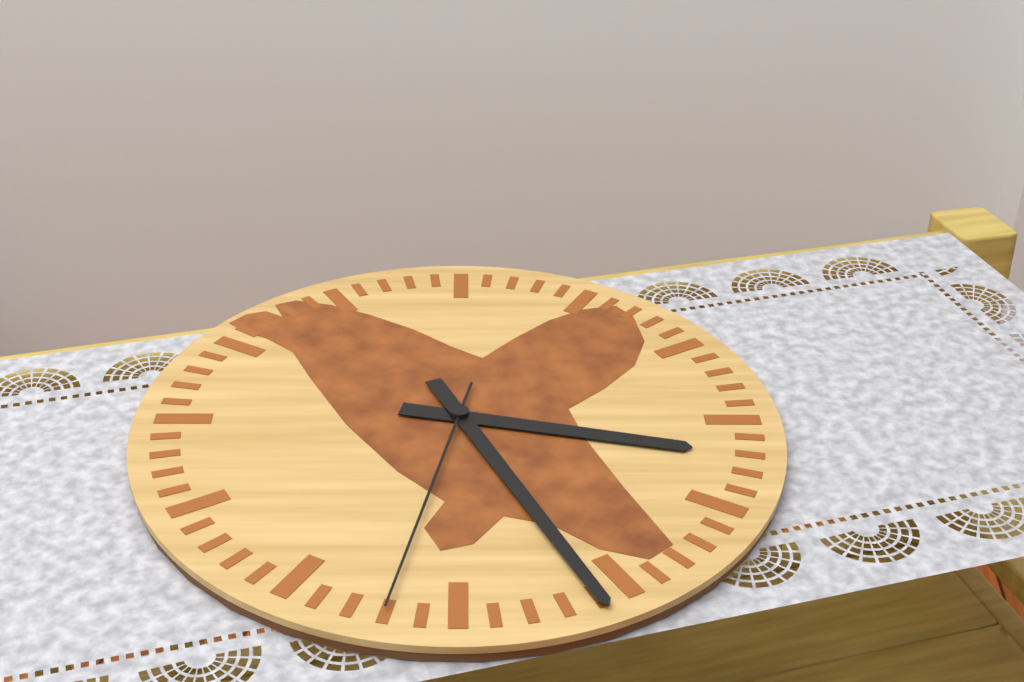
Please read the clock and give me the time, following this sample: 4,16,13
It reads 3,26,32
